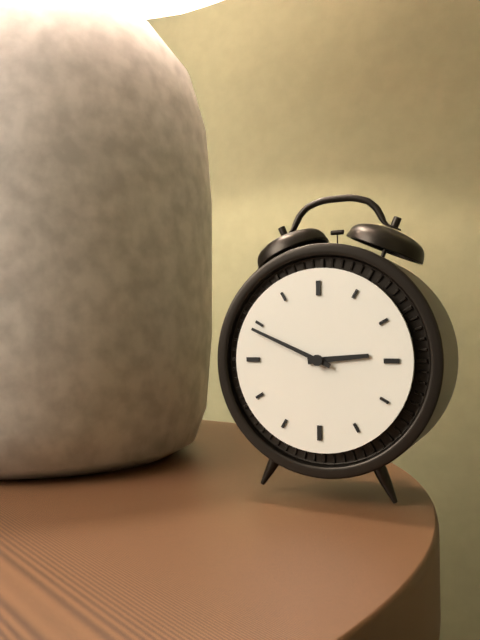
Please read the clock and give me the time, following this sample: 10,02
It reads 2,49
